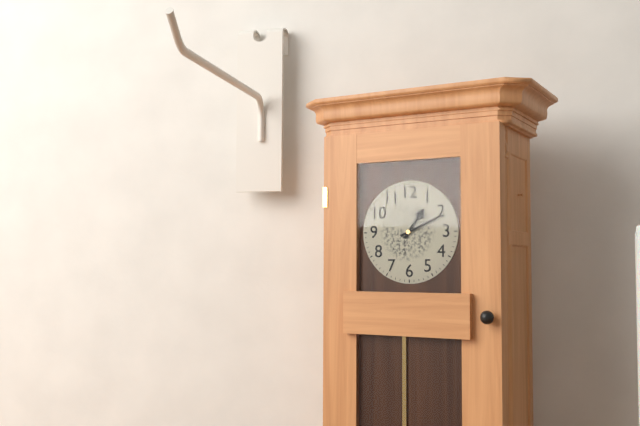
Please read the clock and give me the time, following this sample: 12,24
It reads 1,11
